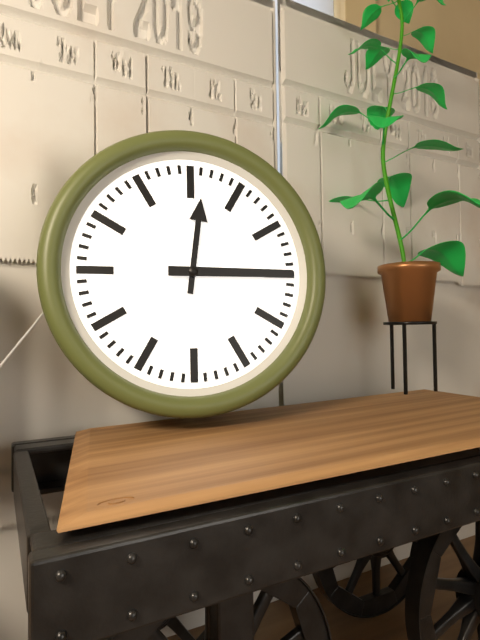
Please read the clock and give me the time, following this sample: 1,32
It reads 12,15
